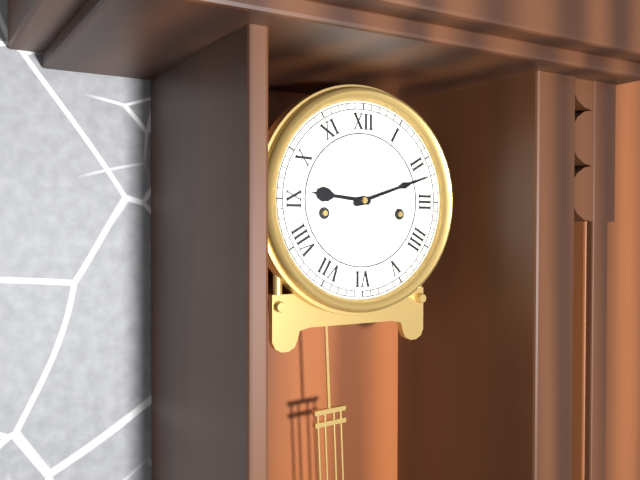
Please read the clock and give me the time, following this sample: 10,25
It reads 9,12
